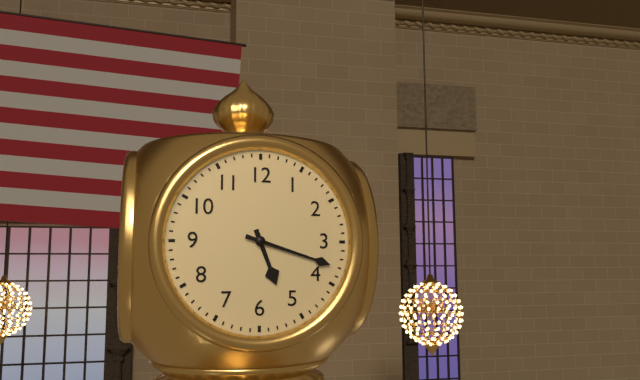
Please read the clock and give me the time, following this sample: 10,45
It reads 5,18
